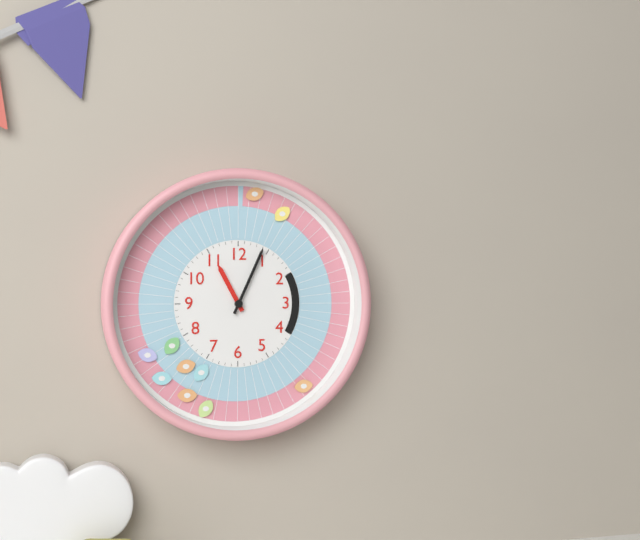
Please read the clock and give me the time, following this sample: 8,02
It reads 11,04
